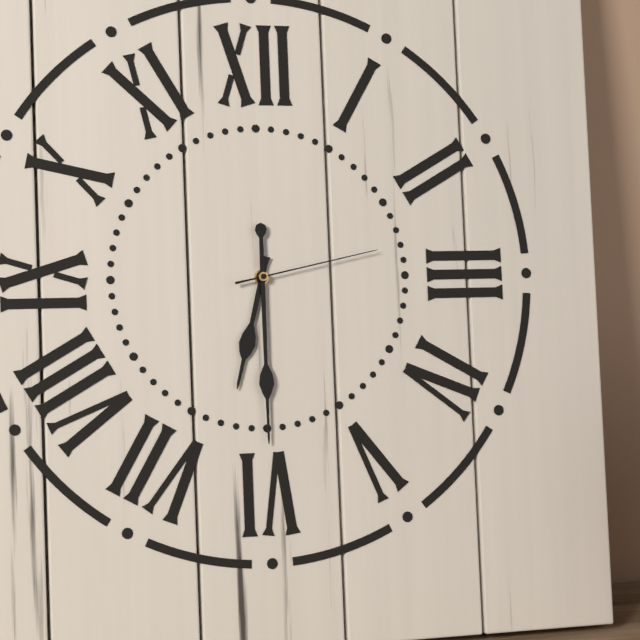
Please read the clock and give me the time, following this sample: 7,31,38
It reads 6,30,13
